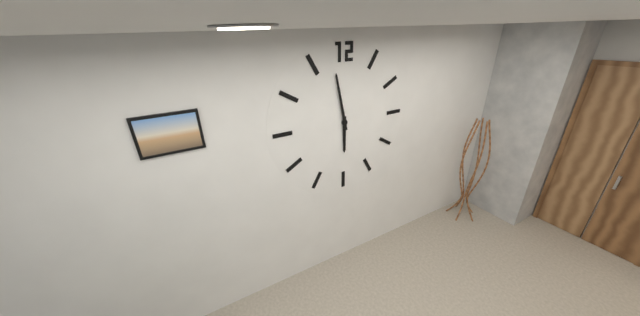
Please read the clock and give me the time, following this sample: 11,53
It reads 5,58
